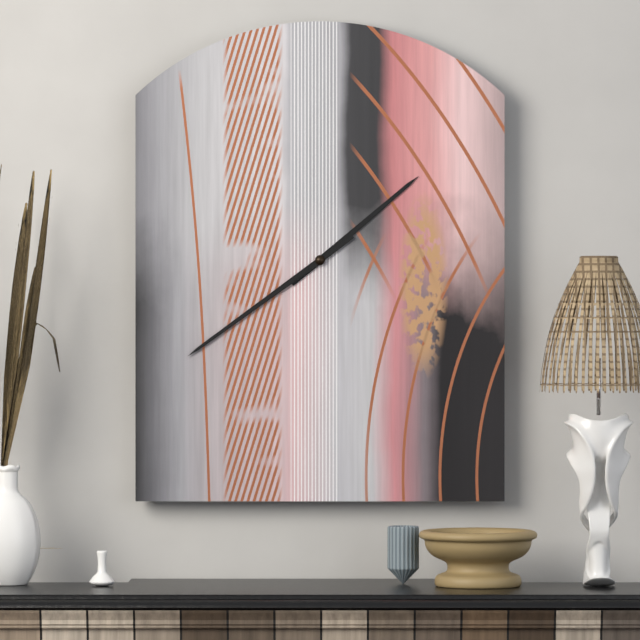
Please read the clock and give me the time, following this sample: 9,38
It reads 1,39
